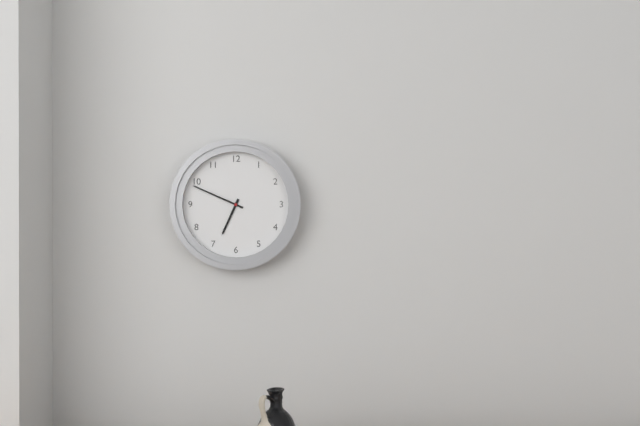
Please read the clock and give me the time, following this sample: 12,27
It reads 6,49
